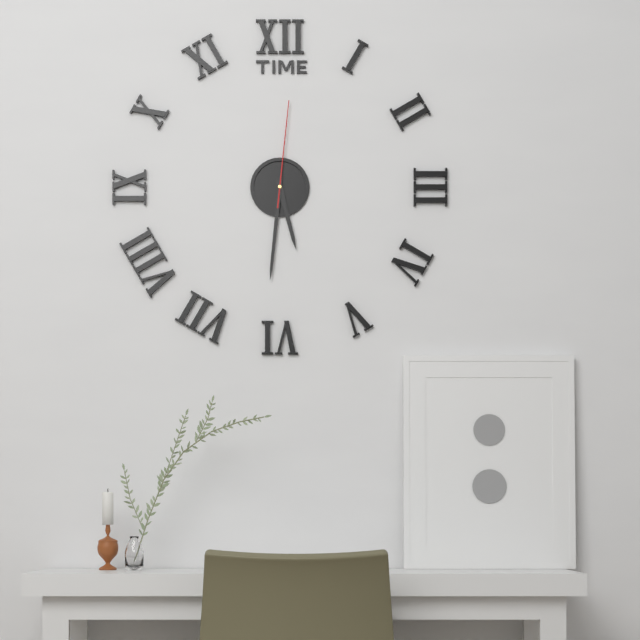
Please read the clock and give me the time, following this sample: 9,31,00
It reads 5,31,01
